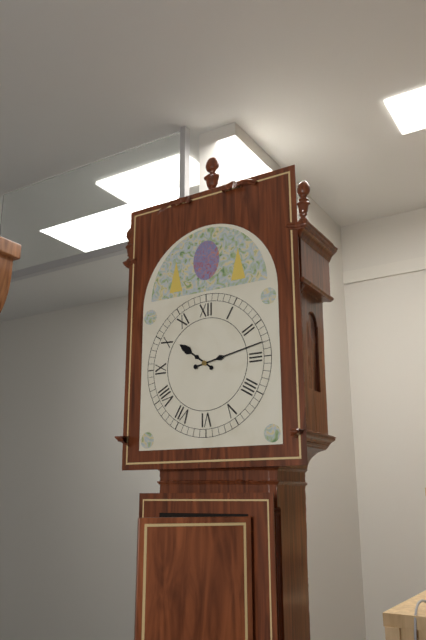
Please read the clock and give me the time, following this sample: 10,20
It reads 10,13
